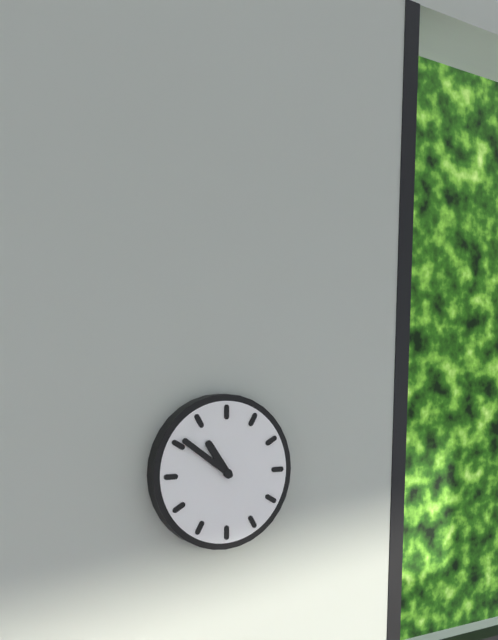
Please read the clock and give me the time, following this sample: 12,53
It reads 10,51
